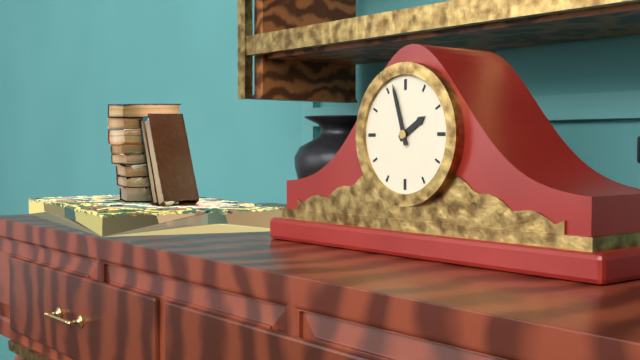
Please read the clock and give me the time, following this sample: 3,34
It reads 1,57
